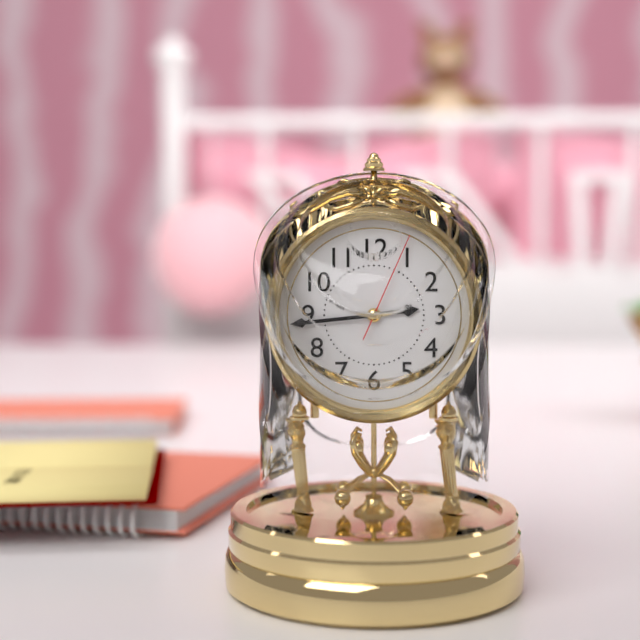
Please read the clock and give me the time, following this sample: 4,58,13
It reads 2,44,04
